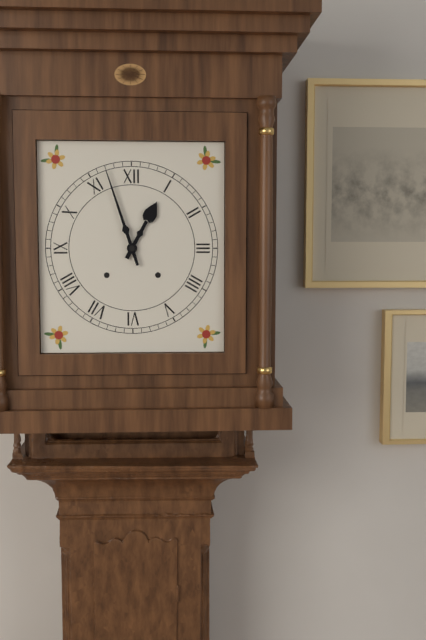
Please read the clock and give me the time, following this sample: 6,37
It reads 12,57
